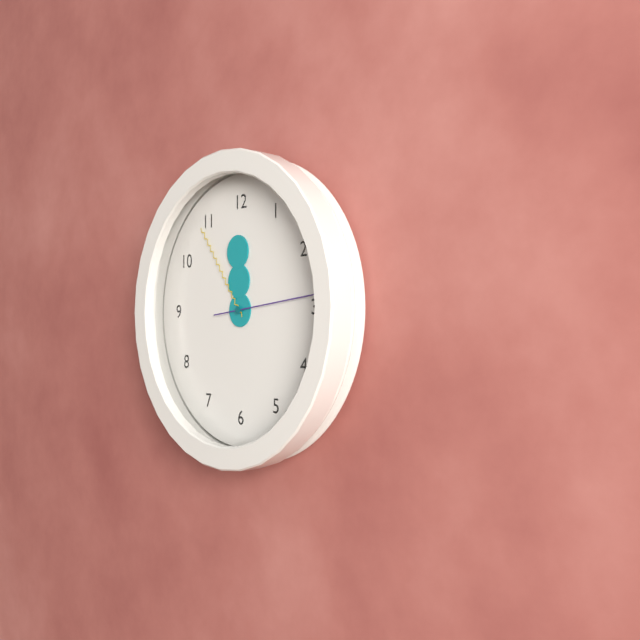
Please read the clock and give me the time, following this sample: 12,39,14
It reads 11,54,14
